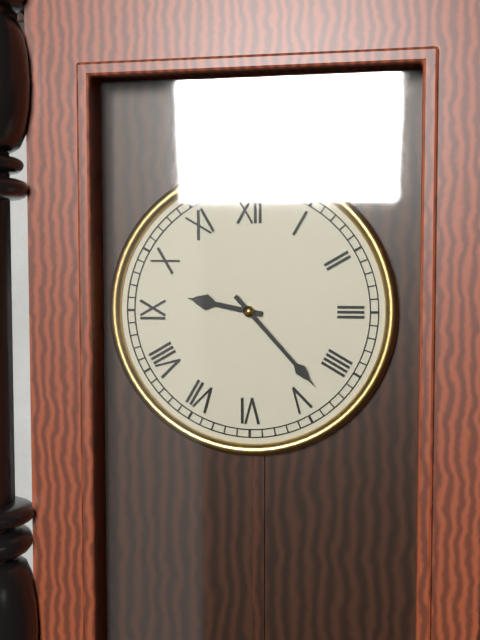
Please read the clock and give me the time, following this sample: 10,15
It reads 9,23
